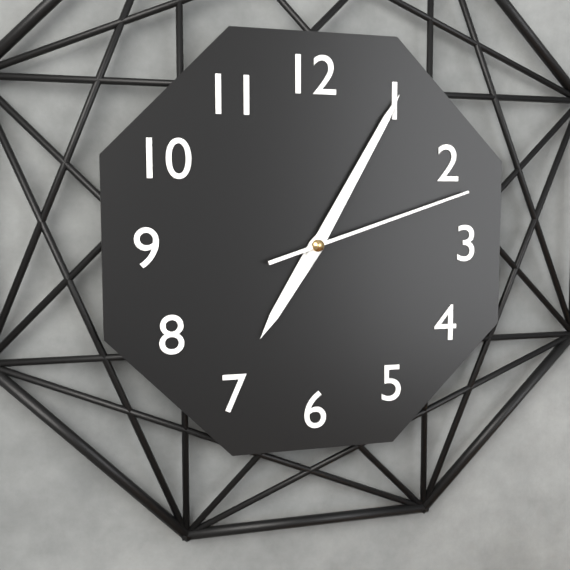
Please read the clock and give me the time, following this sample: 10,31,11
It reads 7,05,12
